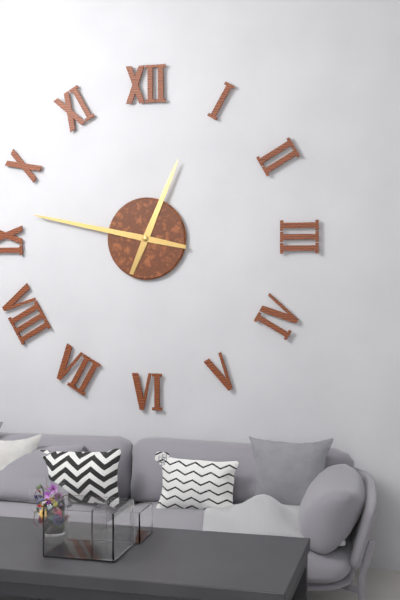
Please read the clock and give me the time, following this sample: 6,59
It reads 12,47
